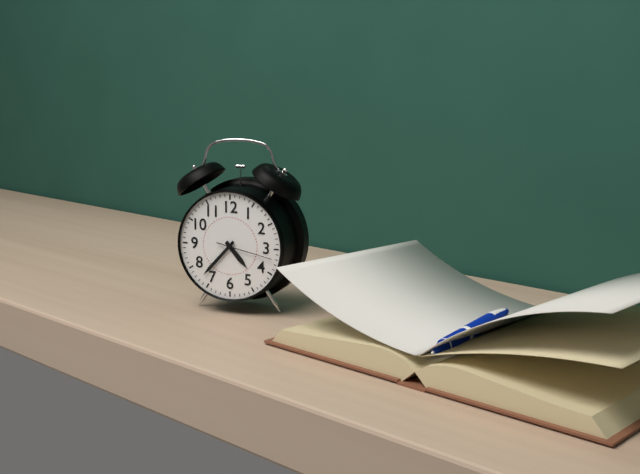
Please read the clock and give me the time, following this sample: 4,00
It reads 4,37
